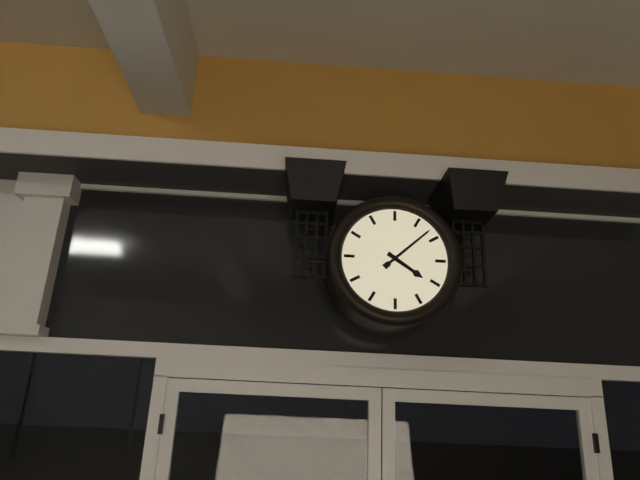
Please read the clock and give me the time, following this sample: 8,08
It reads 4,08
